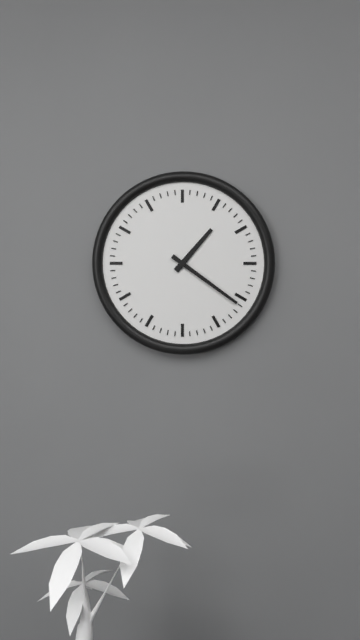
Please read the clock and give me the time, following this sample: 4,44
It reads 1,21
